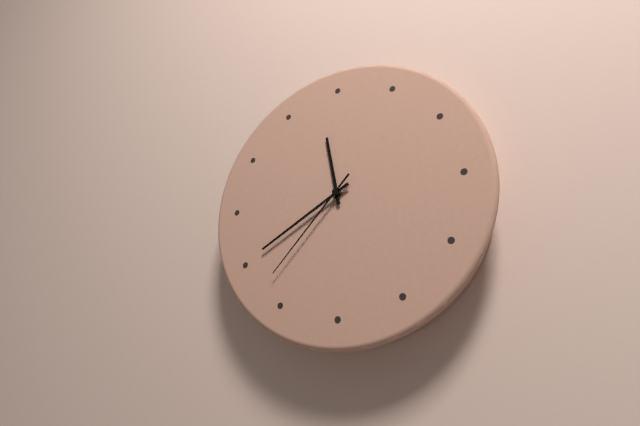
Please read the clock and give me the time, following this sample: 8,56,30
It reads 11,40,37
